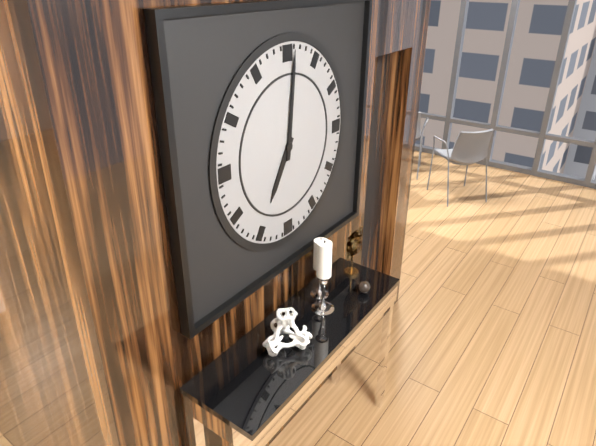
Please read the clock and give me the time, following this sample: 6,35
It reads 7,01
